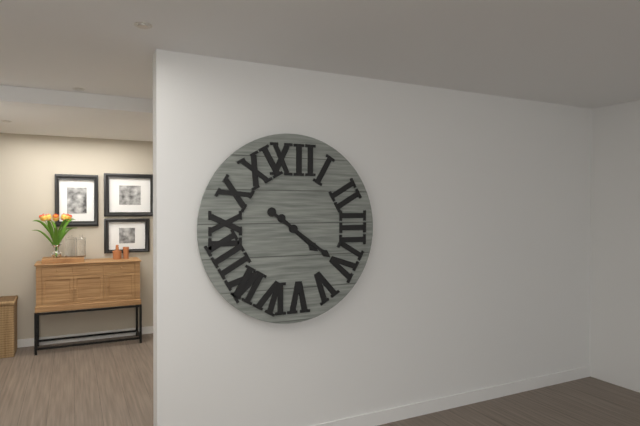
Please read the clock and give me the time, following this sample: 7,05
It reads 4,21
